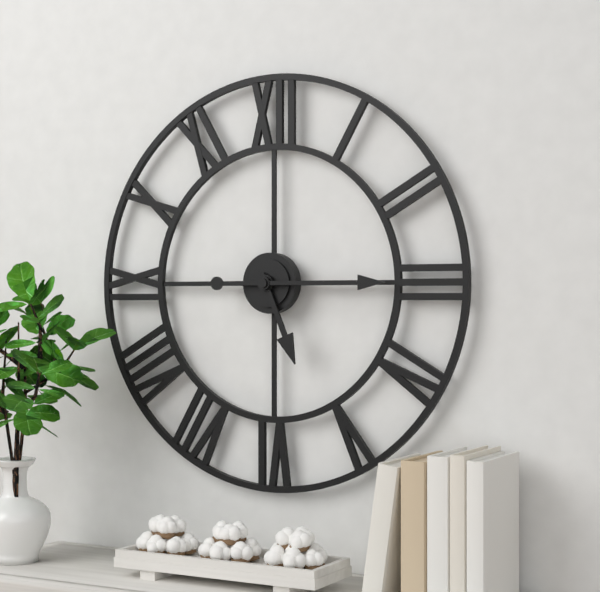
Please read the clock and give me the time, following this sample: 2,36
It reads 5,15
